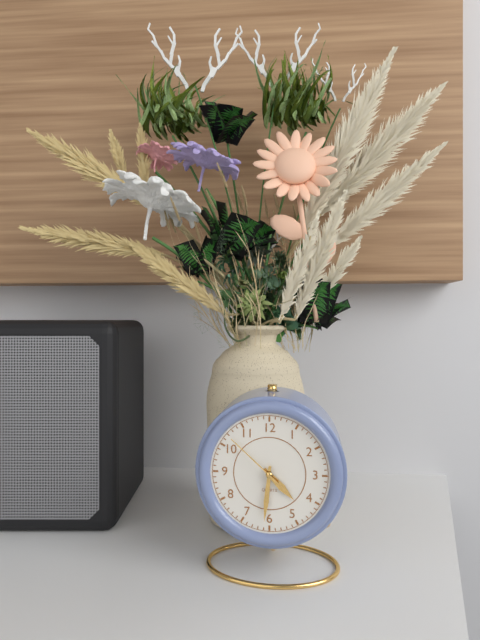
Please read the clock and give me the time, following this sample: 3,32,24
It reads 4,31,52
